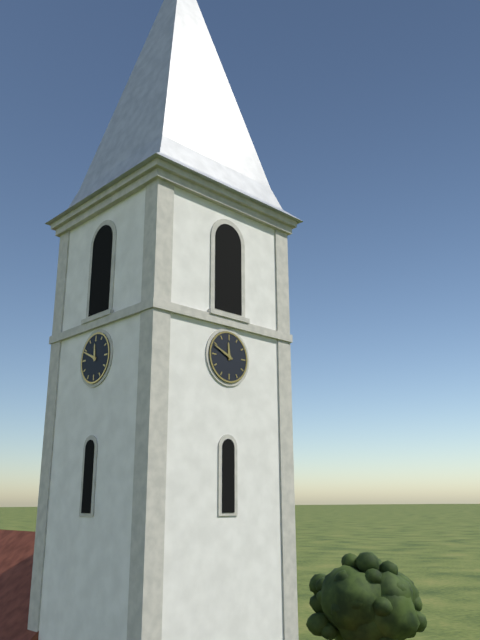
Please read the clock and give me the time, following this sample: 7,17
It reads 11,49
